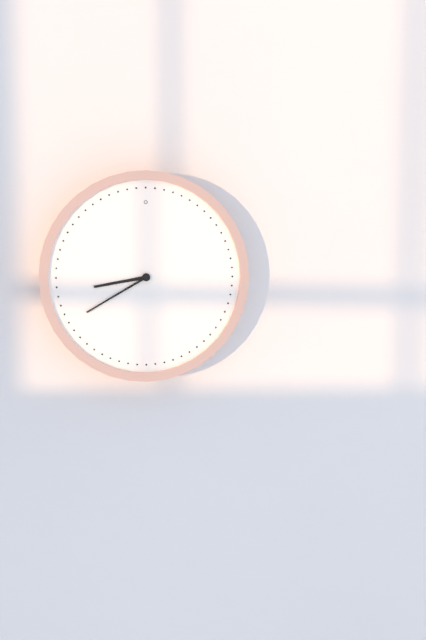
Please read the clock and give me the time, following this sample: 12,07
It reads 8,40
